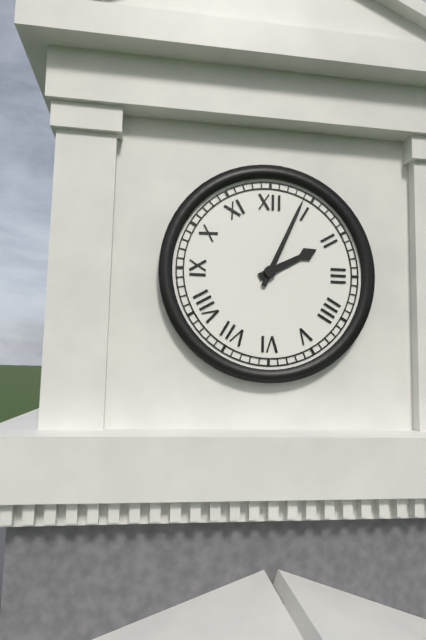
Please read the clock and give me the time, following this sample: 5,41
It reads 2,04
